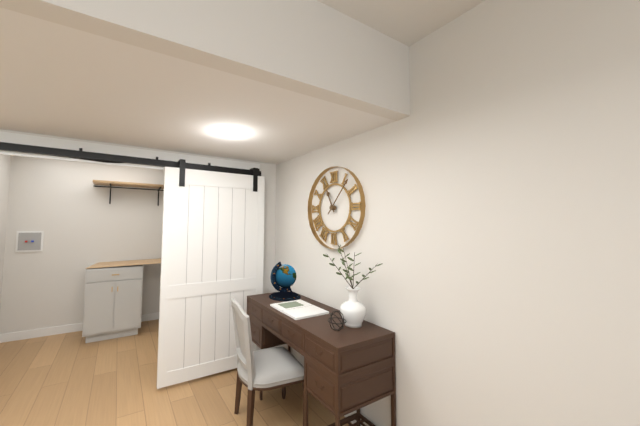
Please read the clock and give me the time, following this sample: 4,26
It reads 11,07
